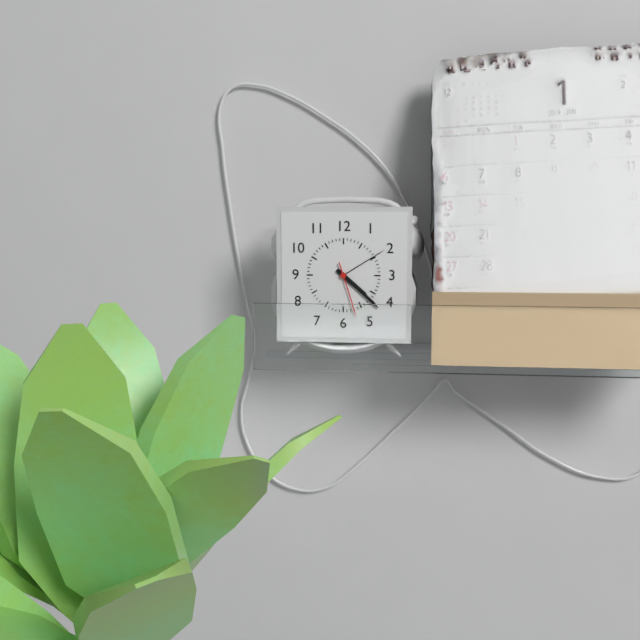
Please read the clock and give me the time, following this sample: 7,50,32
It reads 4,22,27
